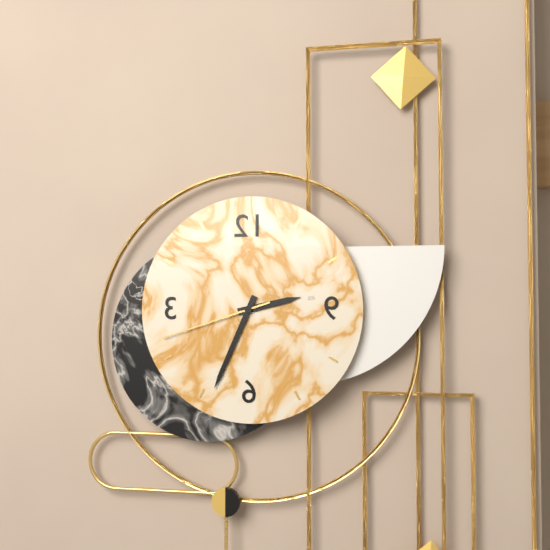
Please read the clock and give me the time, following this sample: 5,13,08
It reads 2,34,42
